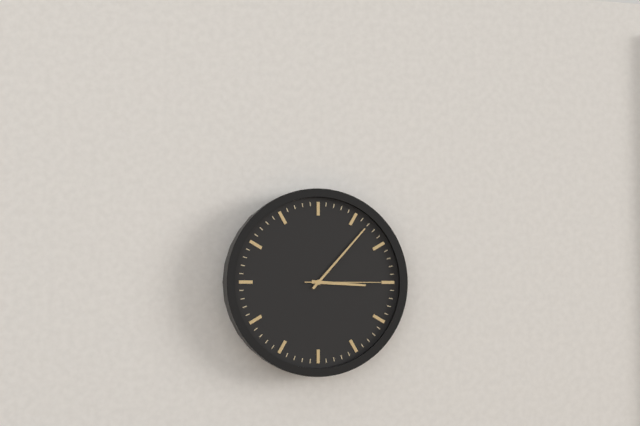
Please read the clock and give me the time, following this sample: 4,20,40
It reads 3,07,15
